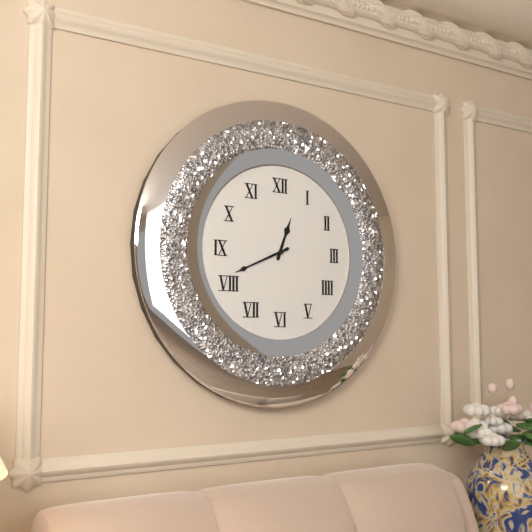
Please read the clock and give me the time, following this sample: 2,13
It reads 12,41
